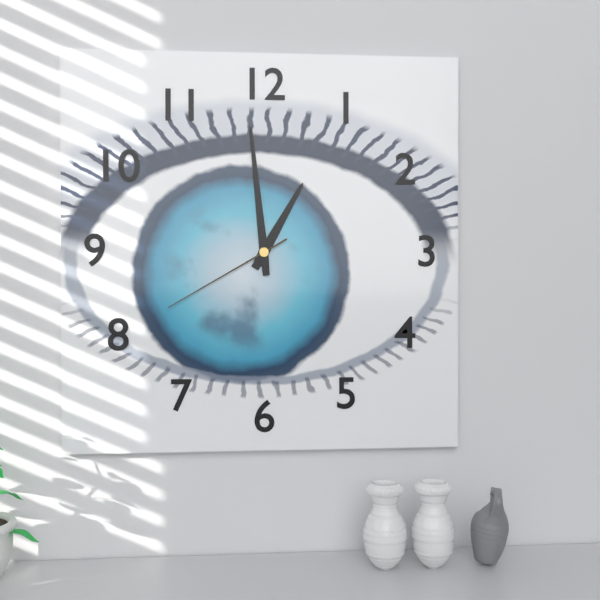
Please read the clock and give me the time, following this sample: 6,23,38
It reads 12,59,40
